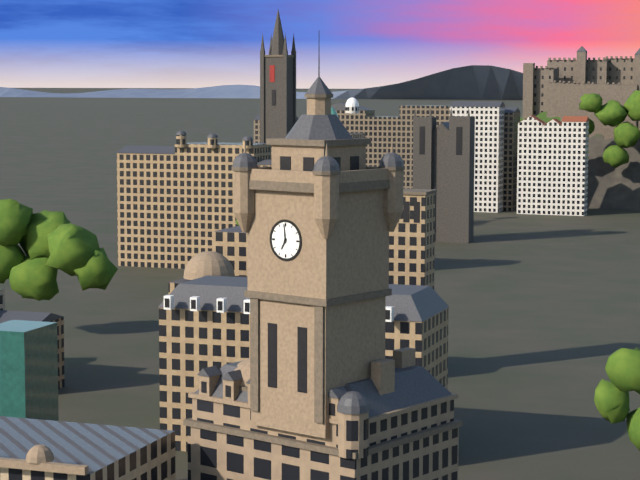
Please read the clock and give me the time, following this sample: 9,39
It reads 6,59
